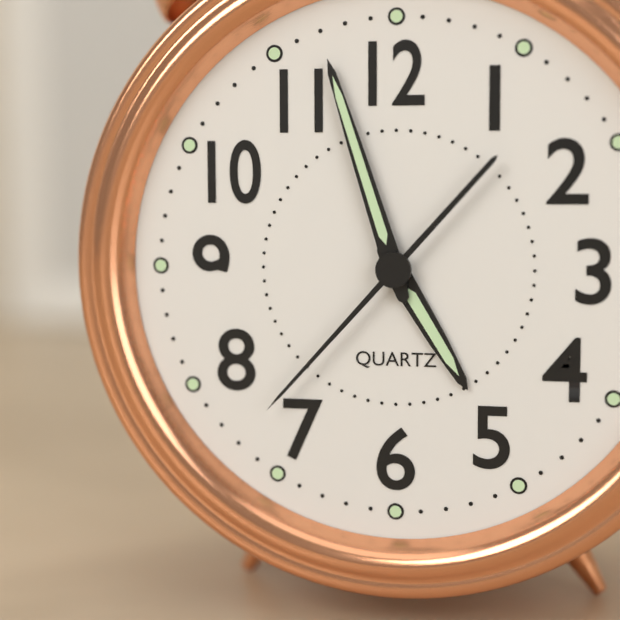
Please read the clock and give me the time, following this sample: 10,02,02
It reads 4,57,37
